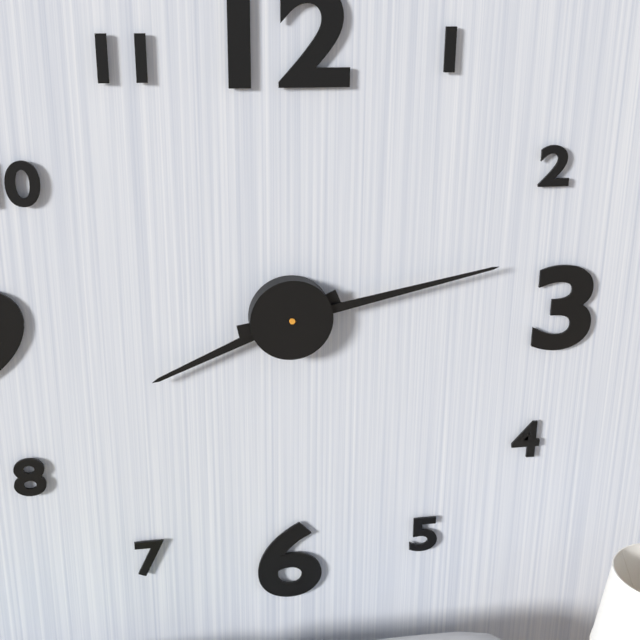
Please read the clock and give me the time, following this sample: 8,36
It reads 8,13
